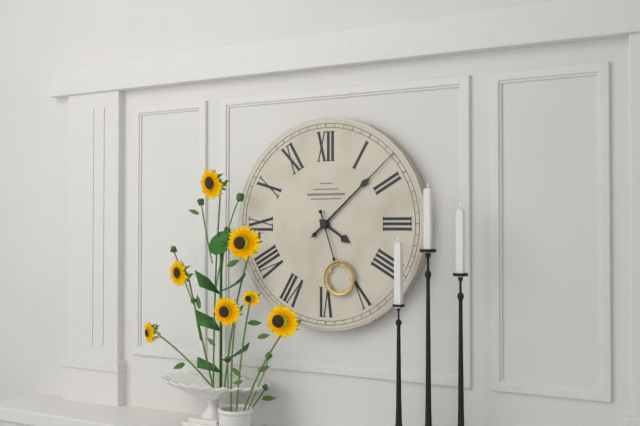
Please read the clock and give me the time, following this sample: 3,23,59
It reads 4,08,27
